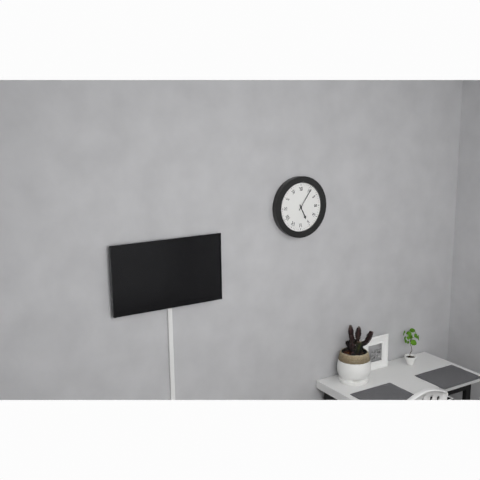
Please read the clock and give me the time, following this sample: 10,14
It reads 5,06
